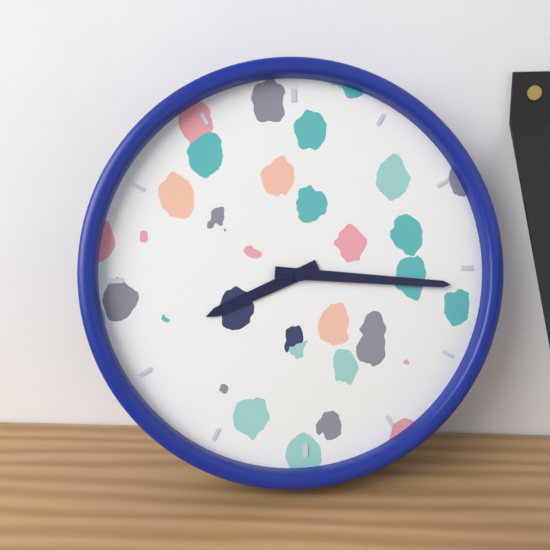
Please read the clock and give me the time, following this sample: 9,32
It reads 8,16
